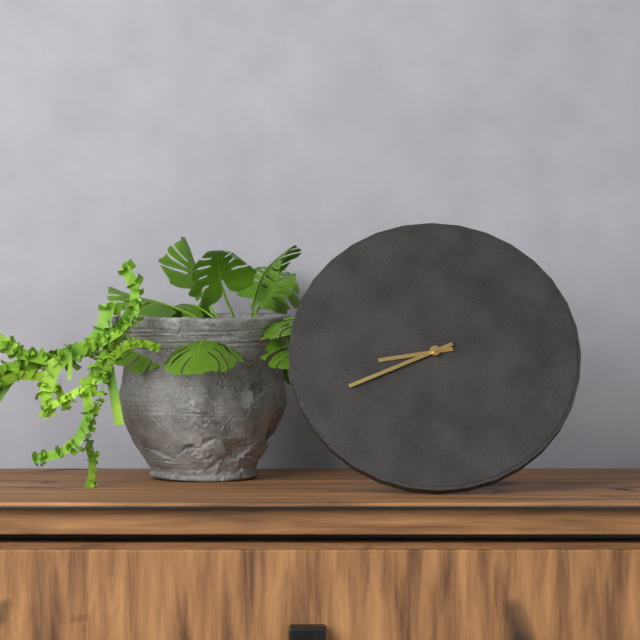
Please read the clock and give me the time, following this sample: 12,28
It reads 8,41
